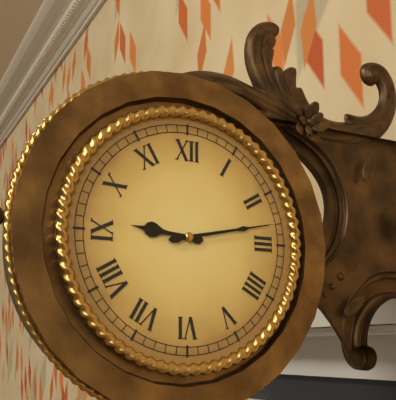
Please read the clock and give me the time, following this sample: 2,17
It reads 9,13
